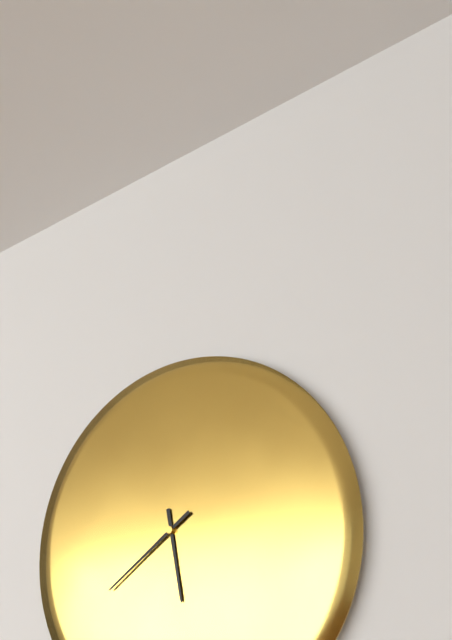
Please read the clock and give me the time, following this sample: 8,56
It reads 5,39
